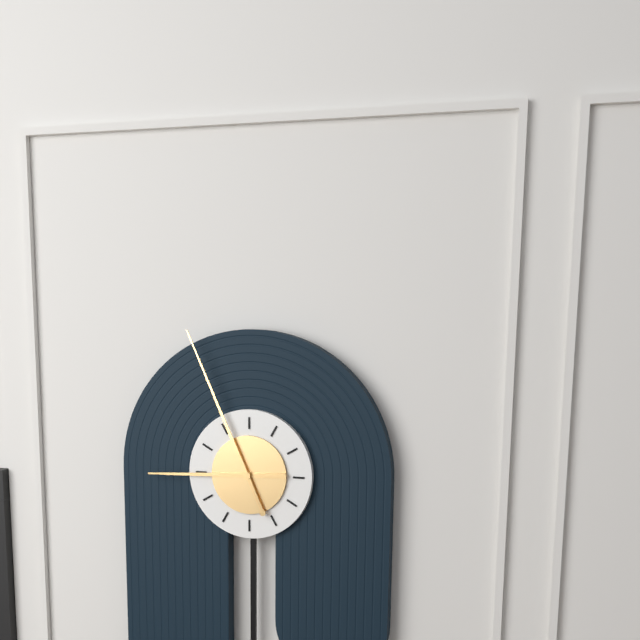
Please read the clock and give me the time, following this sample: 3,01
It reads 8,56
